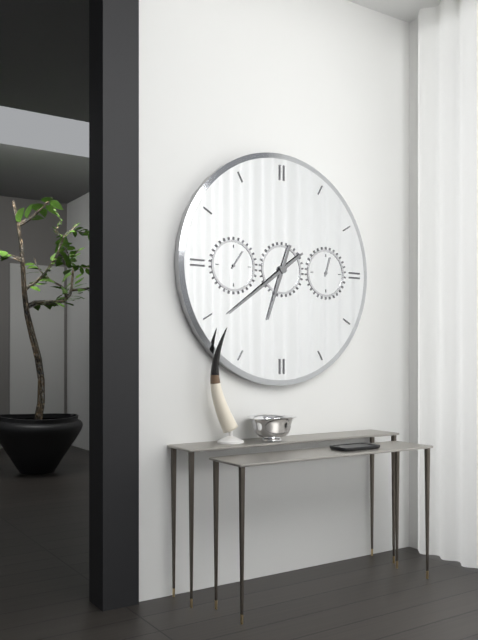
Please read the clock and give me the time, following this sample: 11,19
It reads 6,39
